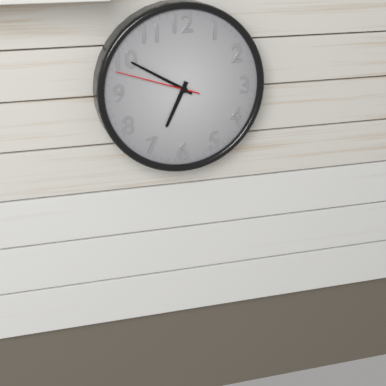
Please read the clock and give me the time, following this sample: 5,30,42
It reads 6,50,48
